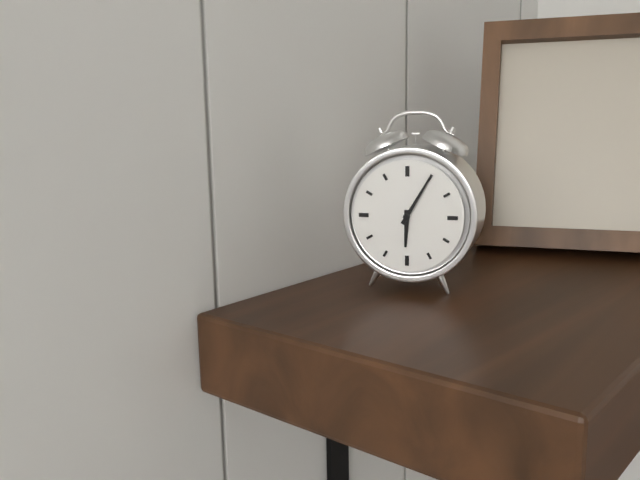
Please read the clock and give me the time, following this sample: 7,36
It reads 6,05
